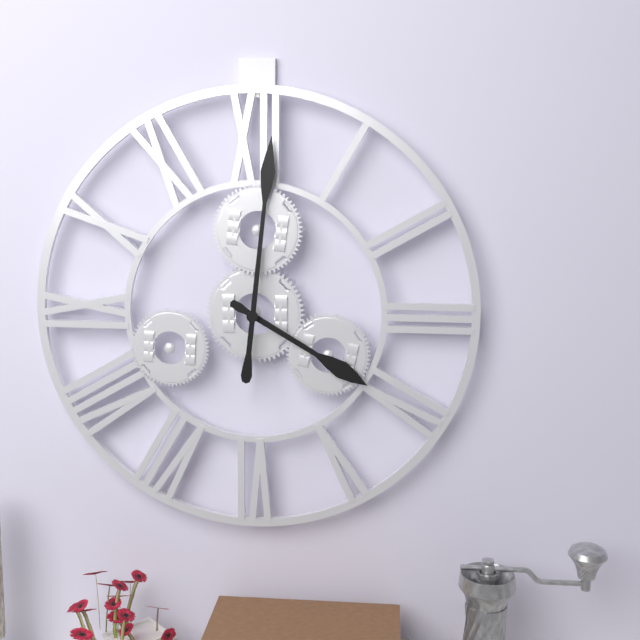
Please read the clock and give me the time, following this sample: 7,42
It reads 4,01
